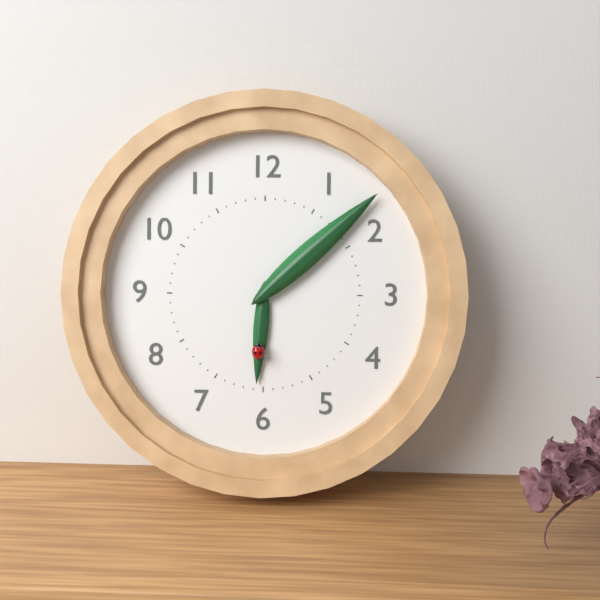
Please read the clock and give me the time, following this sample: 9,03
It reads 6,08
